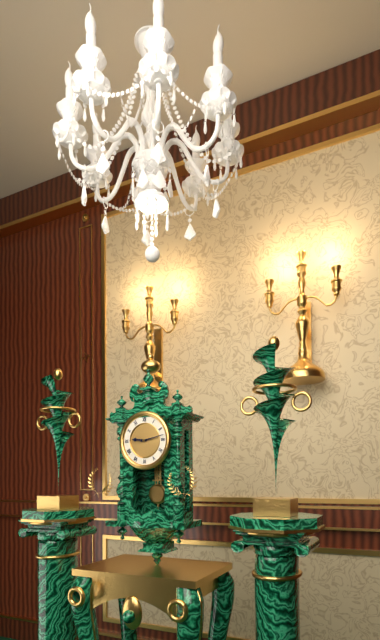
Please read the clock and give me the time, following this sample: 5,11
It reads 9,13
